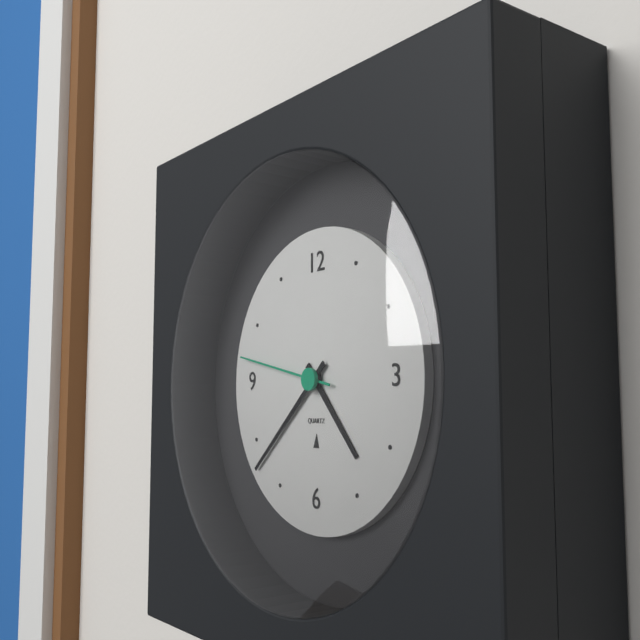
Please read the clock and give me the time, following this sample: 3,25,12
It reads 4,38,47
